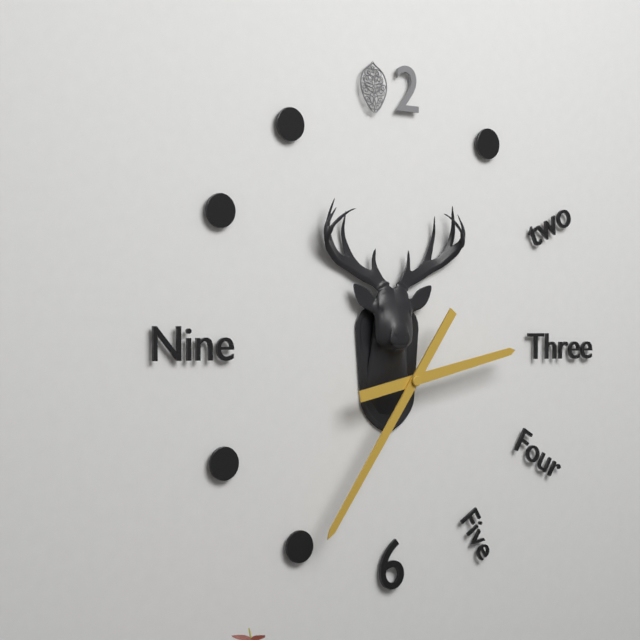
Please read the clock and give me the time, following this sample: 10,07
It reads 2,36
